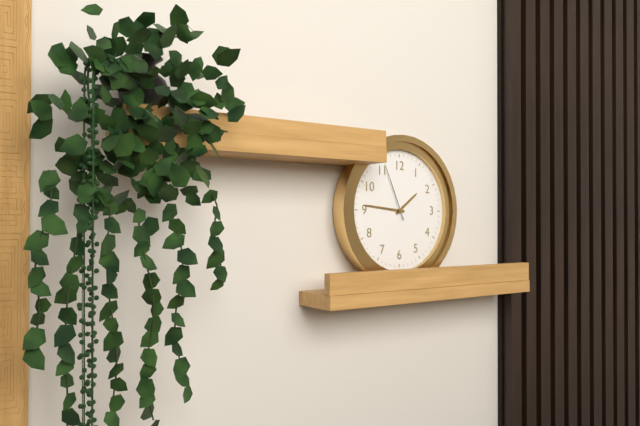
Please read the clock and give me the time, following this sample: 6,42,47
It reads 1,46,56
